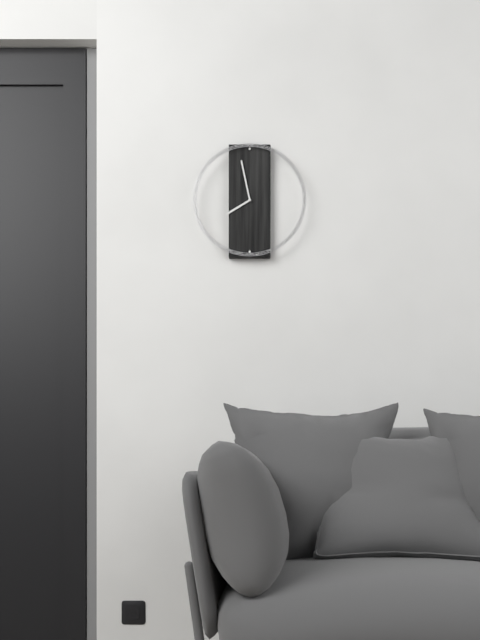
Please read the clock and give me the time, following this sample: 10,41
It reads 7,58
